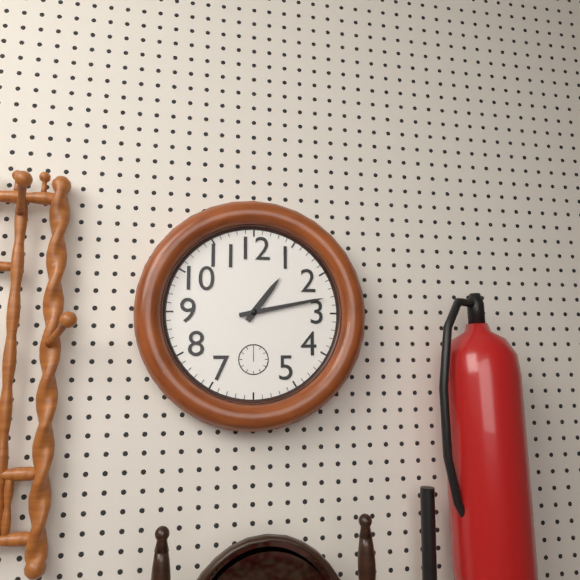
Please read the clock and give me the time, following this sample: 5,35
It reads 1,13
